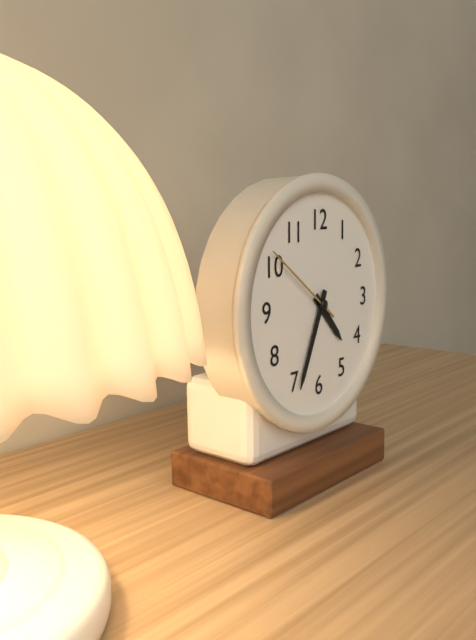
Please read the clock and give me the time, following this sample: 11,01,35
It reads 4,34,51
